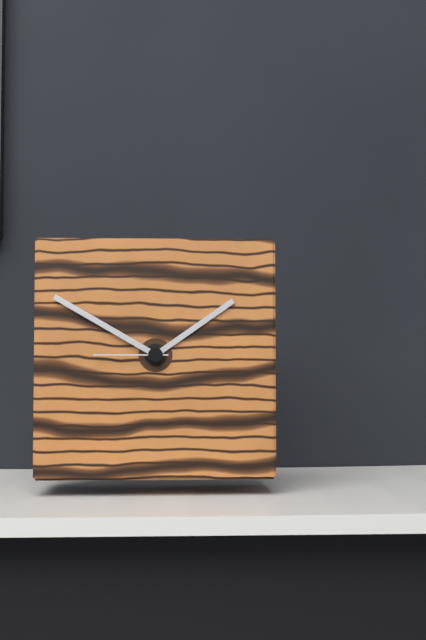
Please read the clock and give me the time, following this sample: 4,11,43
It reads 1,50,45
